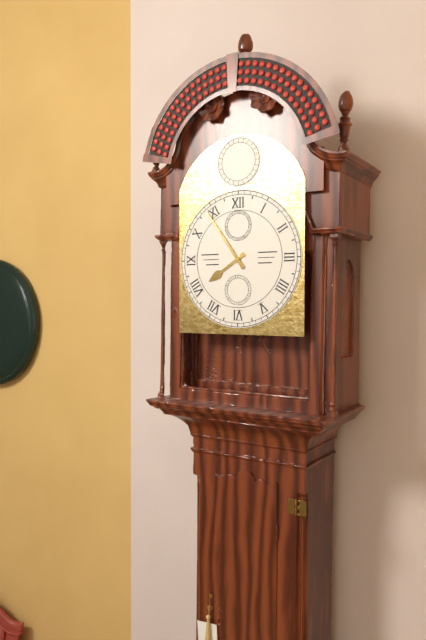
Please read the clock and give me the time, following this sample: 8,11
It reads 7,54
